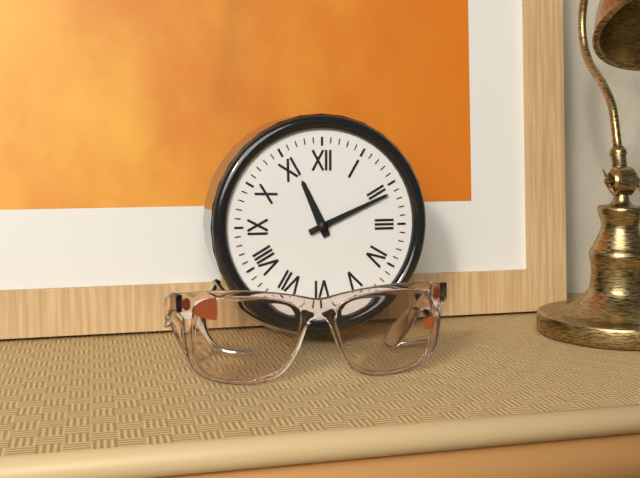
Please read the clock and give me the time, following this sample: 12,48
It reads 11,11
